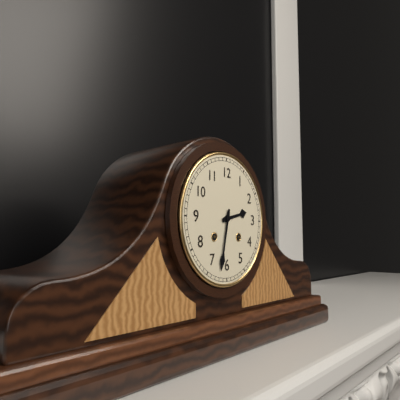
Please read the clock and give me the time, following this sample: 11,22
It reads 2,32
